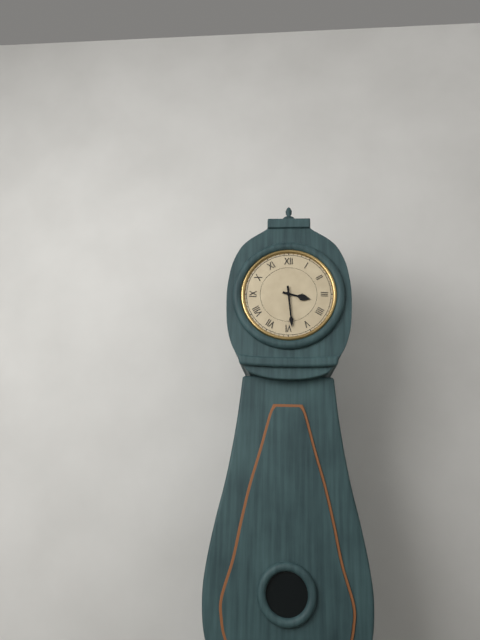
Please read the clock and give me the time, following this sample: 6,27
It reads 3,29
